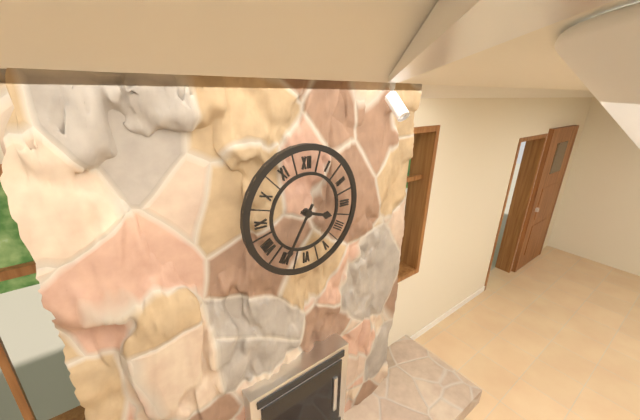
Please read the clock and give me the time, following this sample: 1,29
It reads 3,35
